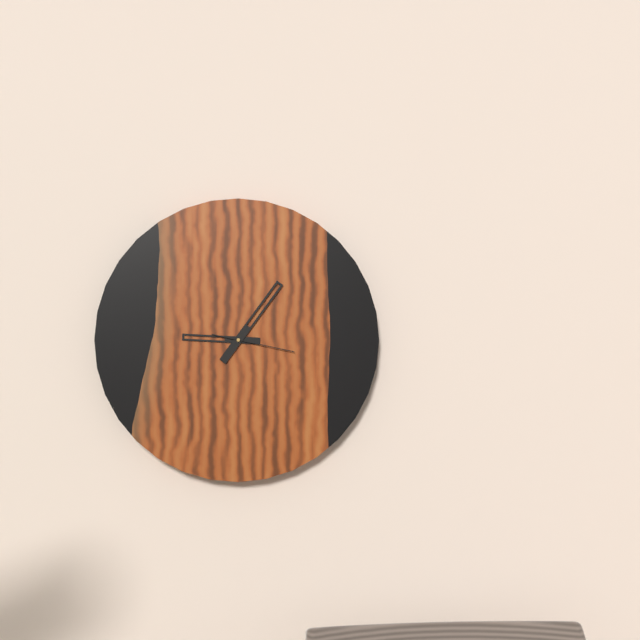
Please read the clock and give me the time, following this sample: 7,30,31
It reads 9,06,17
